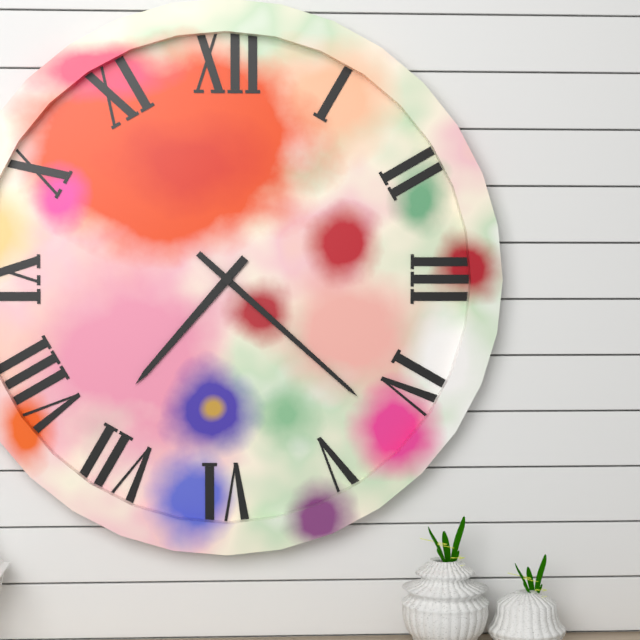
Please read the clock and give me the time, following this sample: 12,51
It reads 7,22
